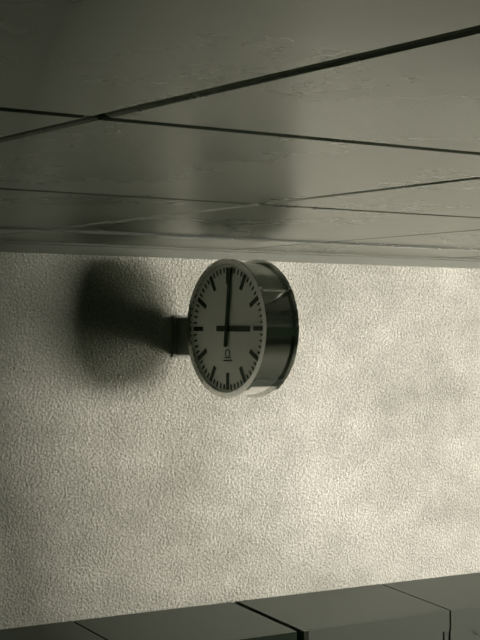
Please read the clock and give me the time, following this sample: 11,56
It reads 3,01
